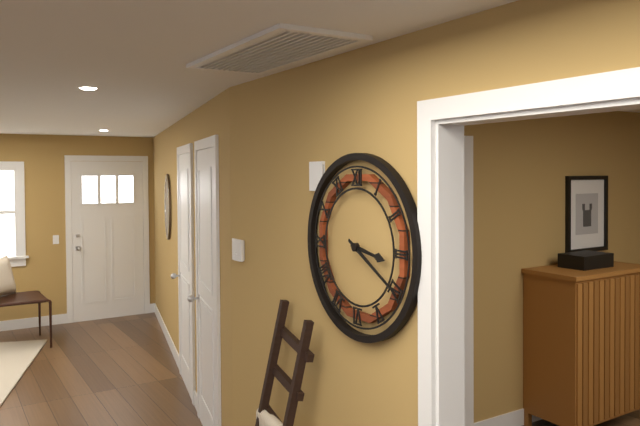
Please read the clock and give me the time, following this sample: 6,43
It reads 3,20
